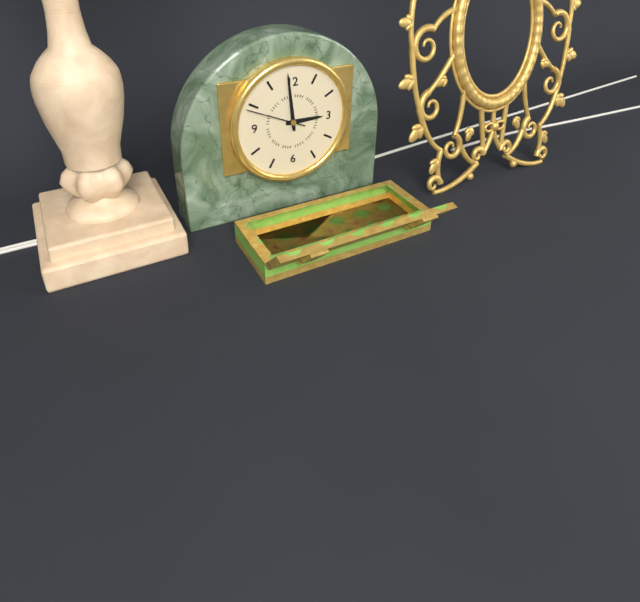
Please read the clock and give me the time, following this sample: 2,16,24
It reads 2,59,49
